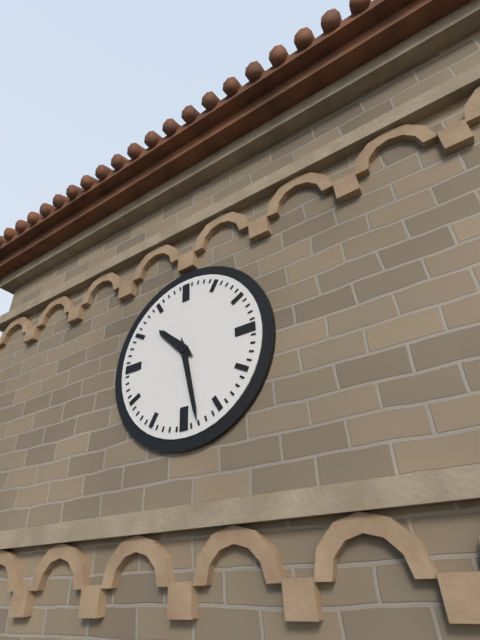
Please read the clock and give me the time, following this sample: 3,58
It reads 10,28
